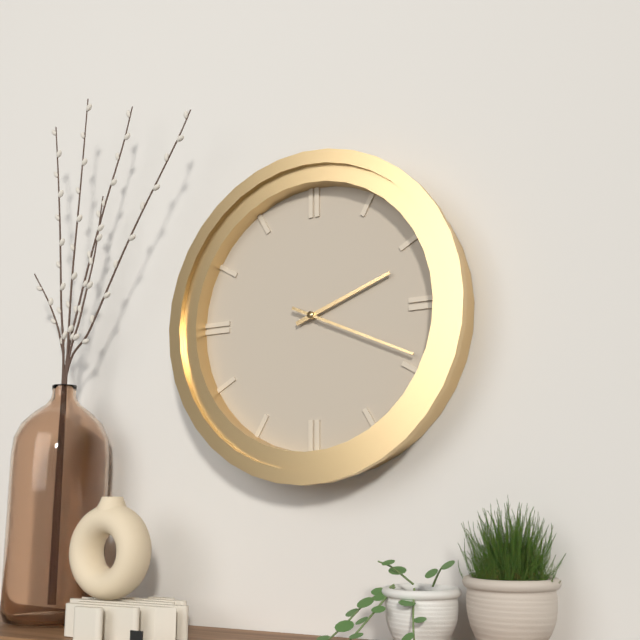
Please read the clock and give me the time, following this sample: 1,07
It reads 2,19
